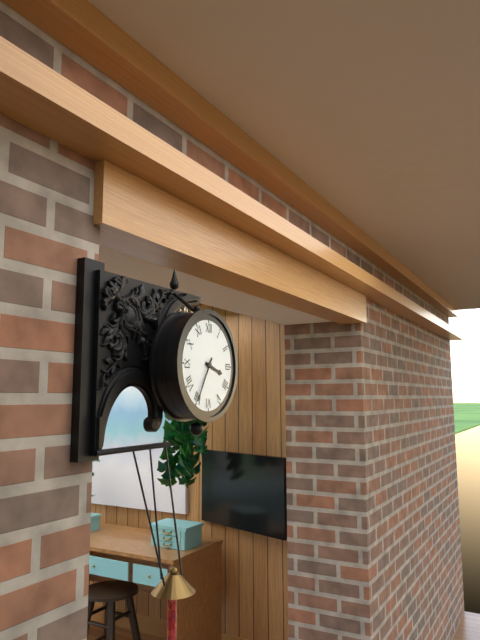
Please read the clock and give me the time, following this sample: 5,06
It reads 3,35
